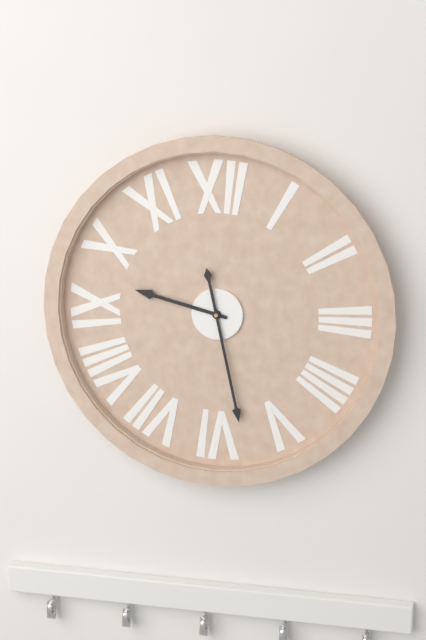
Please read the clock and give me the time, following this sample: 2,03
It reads 9,28
